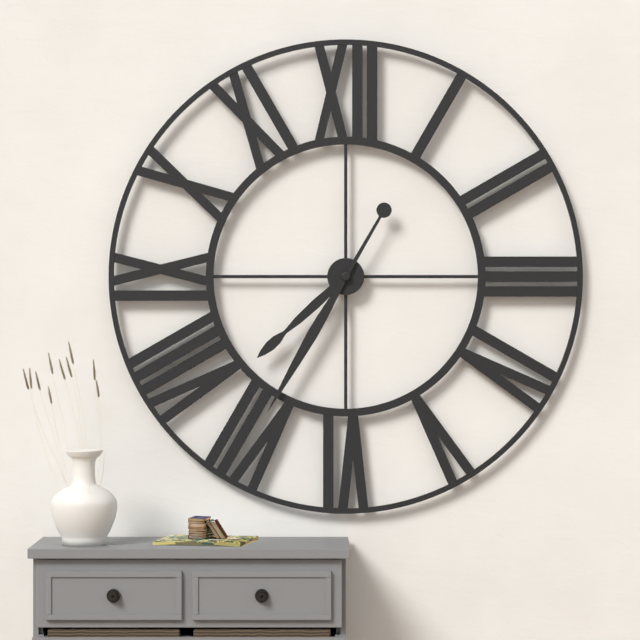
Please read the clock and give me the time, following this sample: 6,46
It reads 7,35
